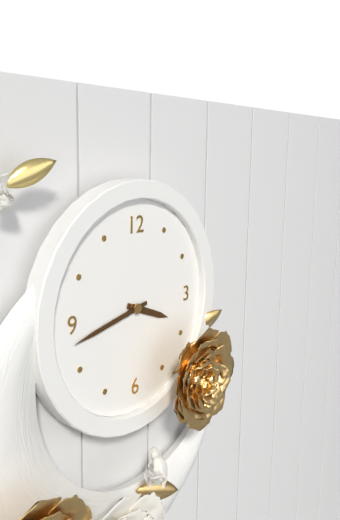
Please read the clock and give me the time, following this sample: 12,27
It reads 3,43
